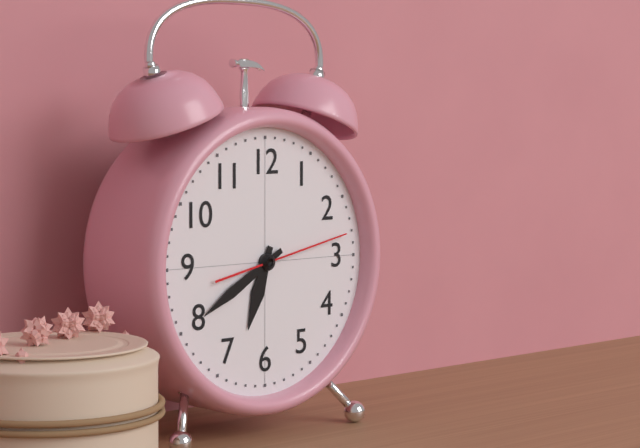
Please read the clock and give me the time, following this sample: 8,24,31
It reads 6,40,13
